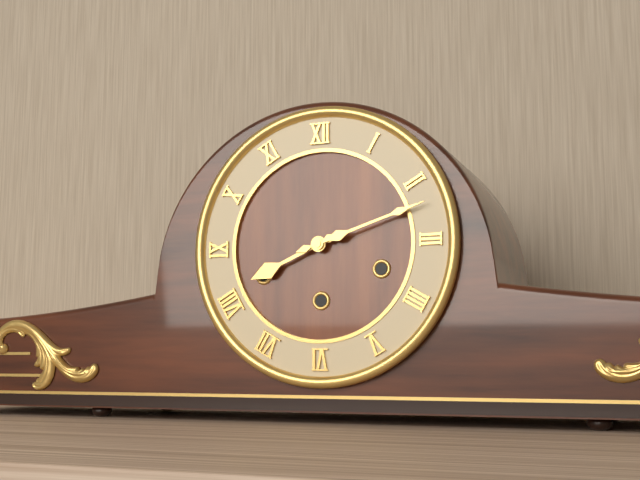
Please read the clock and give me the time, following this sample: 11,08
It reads 8,12
